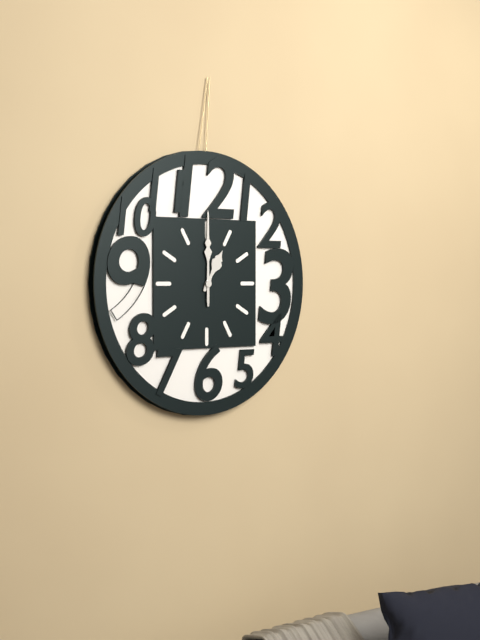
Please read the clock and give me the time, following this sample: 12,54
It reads 1,00
